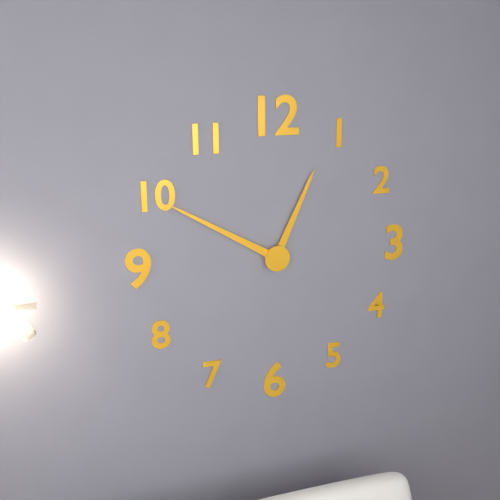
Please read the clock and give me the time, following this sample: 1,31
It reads 12,50
